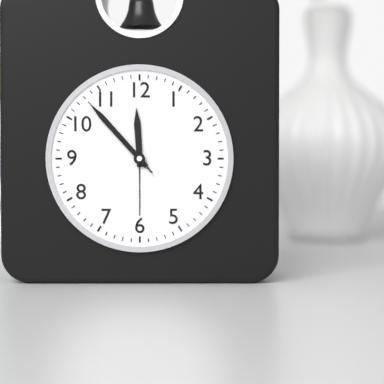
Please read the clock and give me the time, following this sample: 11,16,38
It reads 11,53,53
